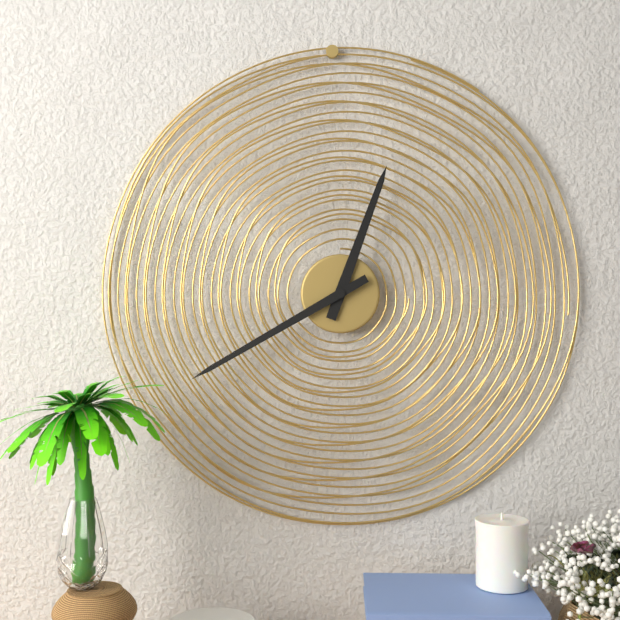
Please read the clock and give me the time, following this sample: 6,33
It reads 12,40
